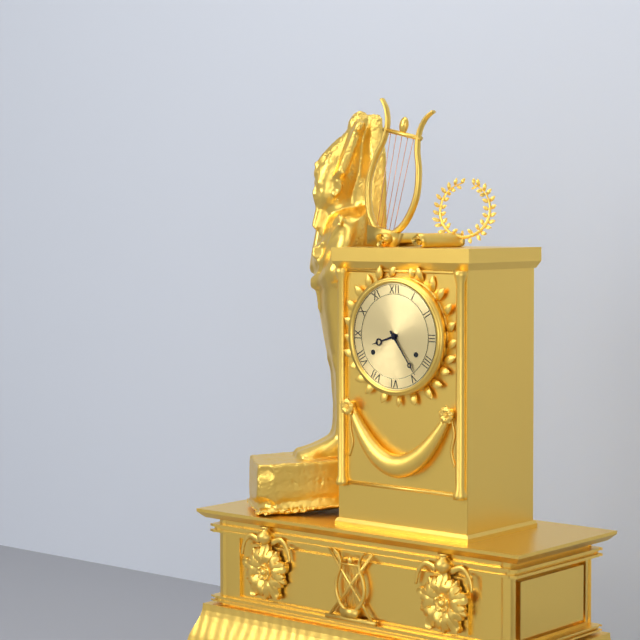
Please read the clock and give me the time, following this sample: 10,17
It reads 8,24
